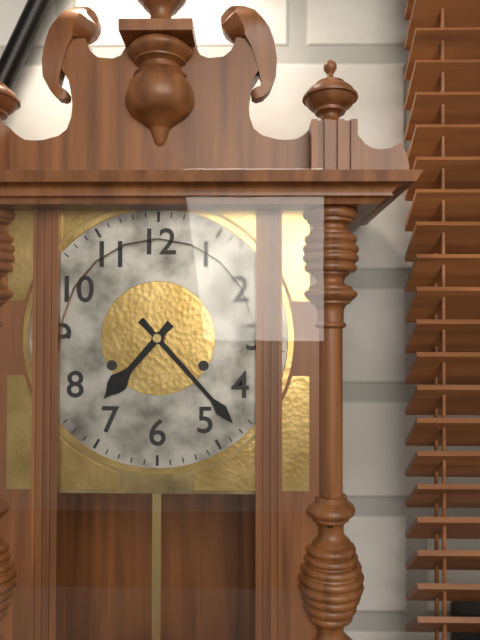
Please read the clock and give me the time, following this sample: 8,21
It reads 7,23
